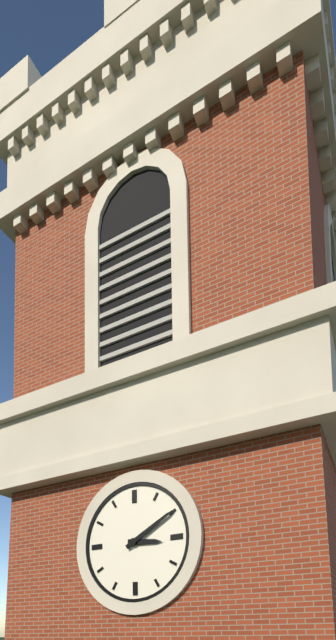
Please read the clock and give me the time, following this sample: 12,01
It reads 3,10
